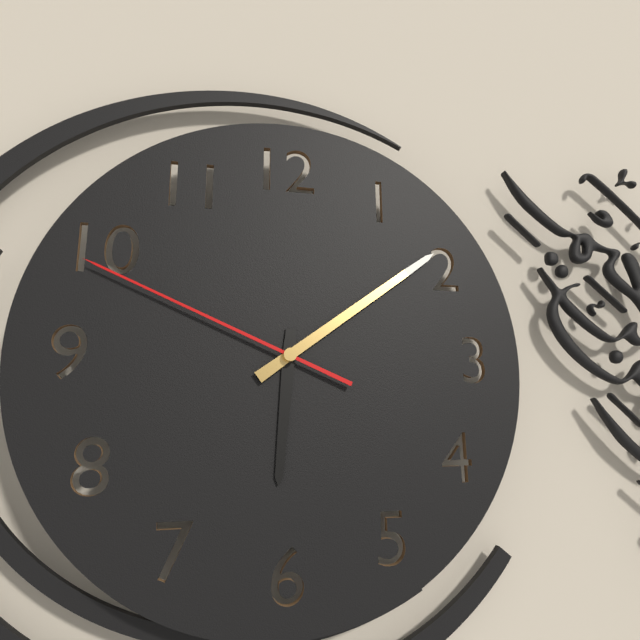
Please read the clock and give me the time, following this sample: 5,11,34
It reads 6,09,49
